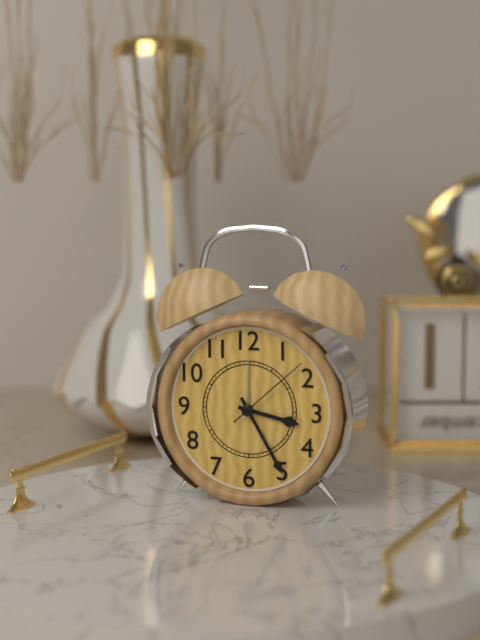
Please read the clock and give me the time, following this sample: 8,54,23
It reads 3,25,08
